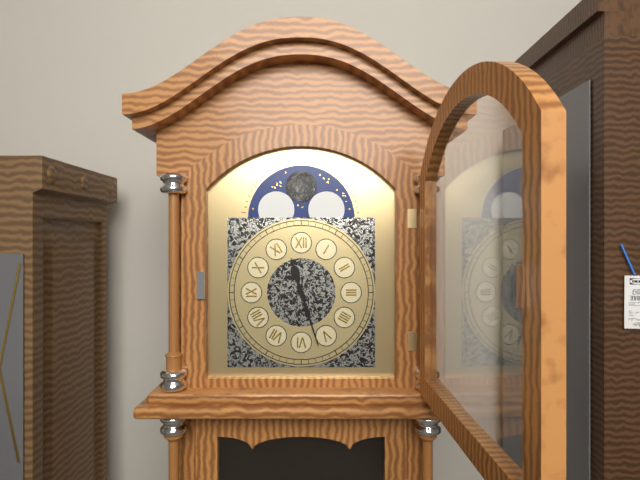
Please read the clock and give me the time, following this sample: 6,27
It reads 11,27
